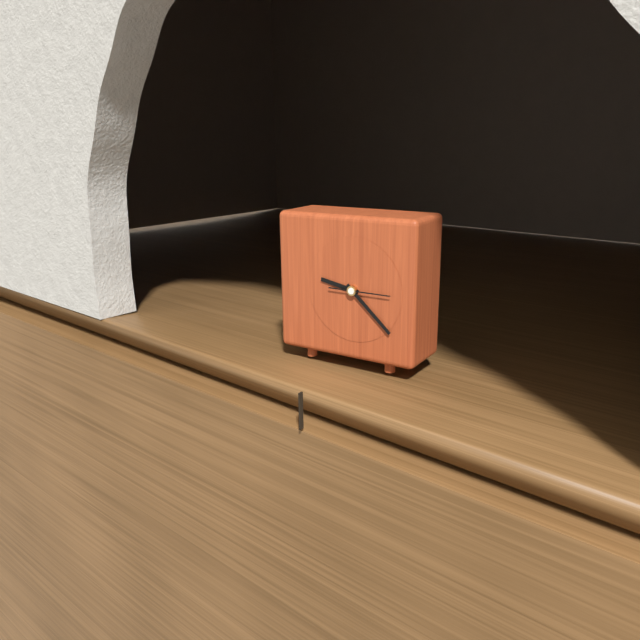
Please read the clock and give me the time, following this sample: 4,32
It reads 9,22
